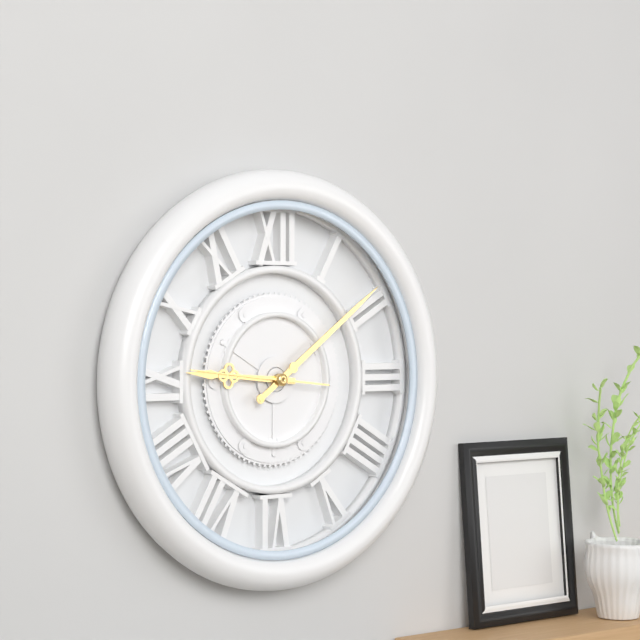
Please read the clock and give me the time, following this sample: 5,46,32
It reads 9,09,46
